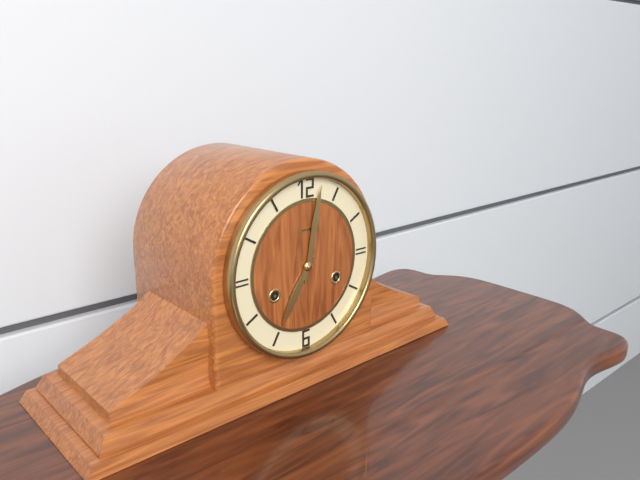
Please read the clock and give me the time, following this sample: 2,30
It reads 7,02
